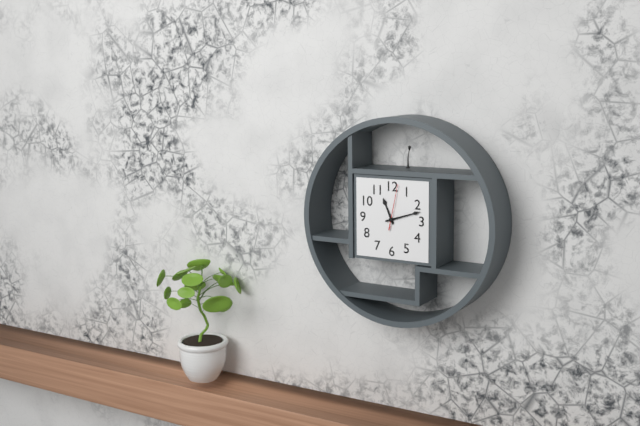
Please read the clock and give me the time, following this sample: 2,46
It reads 11,12
